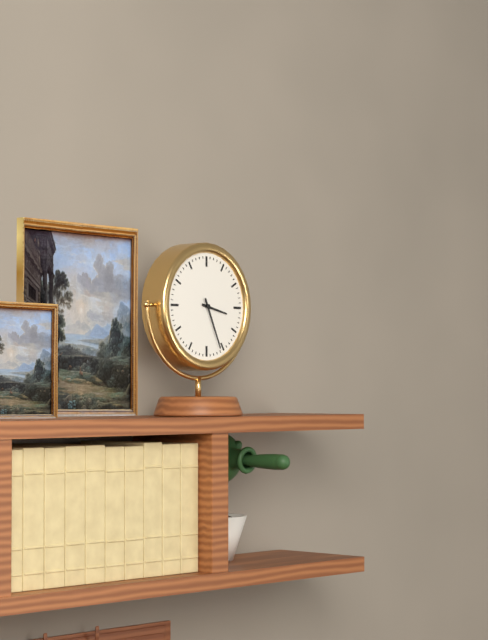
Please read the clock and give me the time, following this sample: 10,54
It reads 3,26
